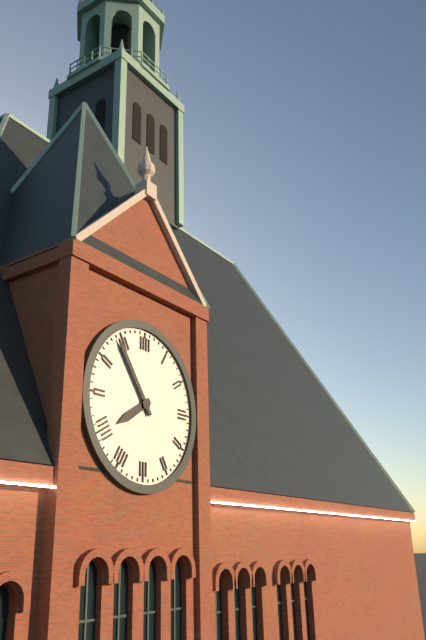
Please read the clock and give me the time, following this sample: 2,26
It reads 7,54
